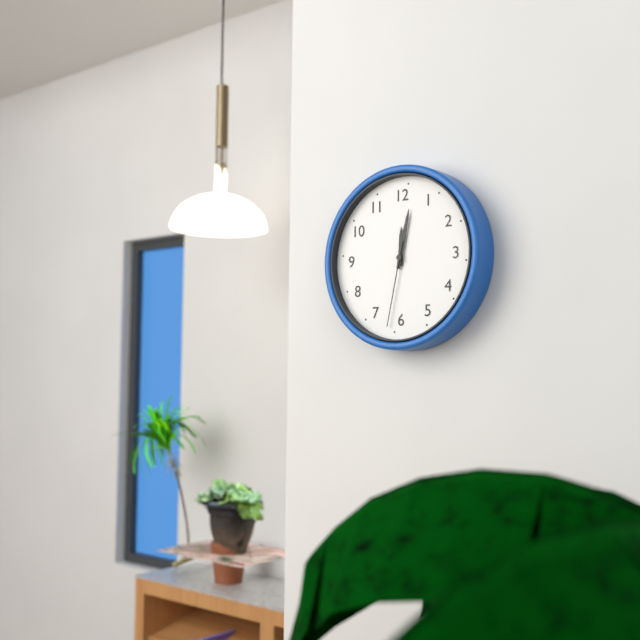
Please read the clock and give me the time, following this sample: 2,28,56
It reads 12,02,32
